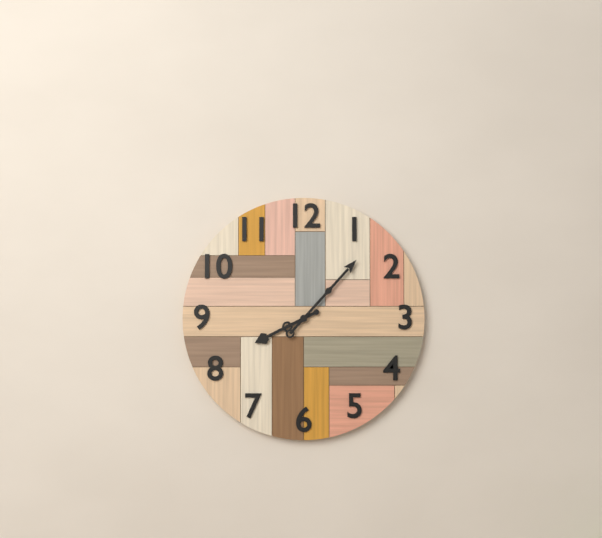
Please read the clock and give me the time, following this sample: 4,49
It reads 8,07
